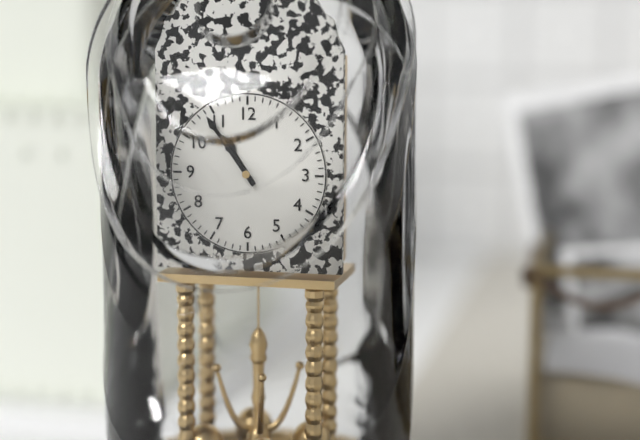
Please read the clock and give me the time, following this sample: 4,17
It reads 10,54
